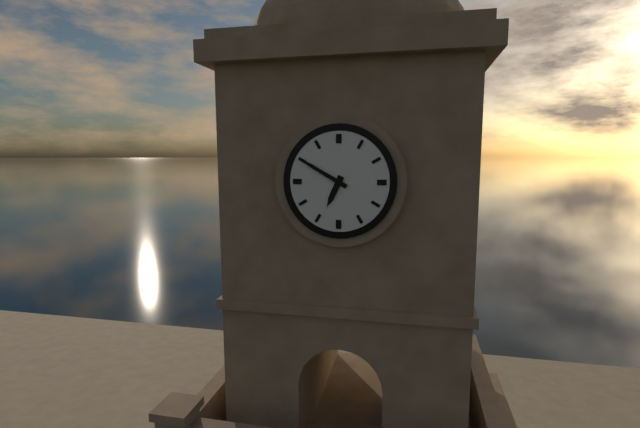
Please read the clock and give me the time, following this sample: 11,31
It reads 6,50
